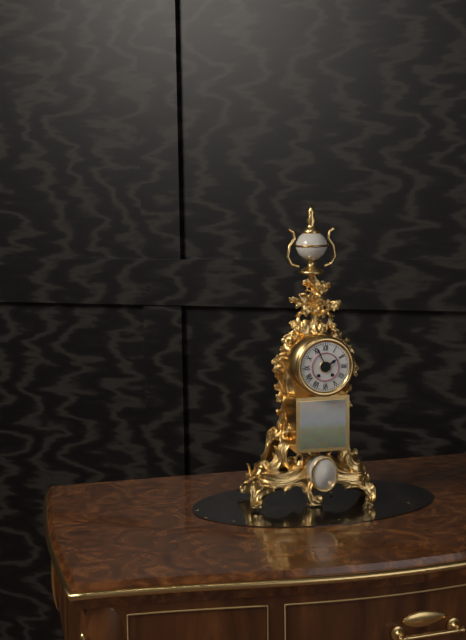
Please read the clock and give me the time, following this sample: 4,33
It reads 1,56
